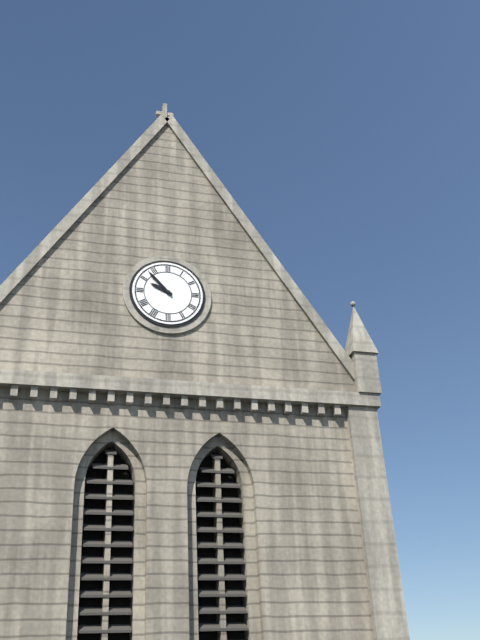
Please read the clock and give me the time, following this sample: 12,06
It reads 9,53
